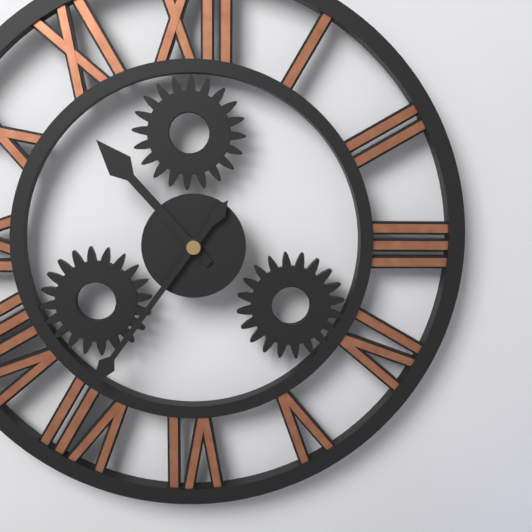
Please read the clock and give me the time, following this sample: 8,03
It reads 10,36
